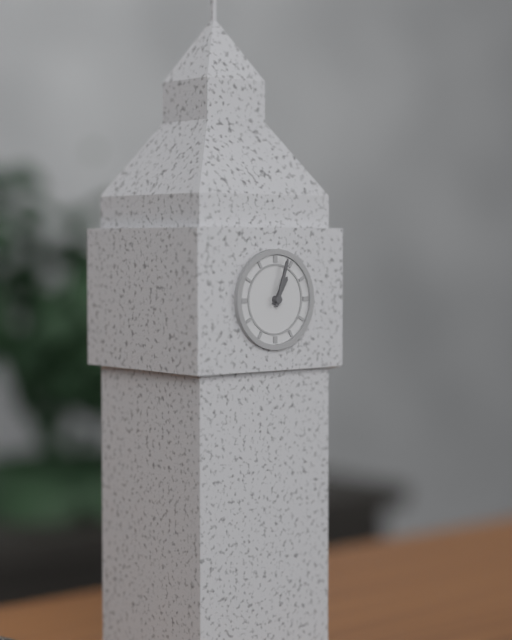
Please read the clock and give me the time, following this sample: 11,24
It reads 1,03
